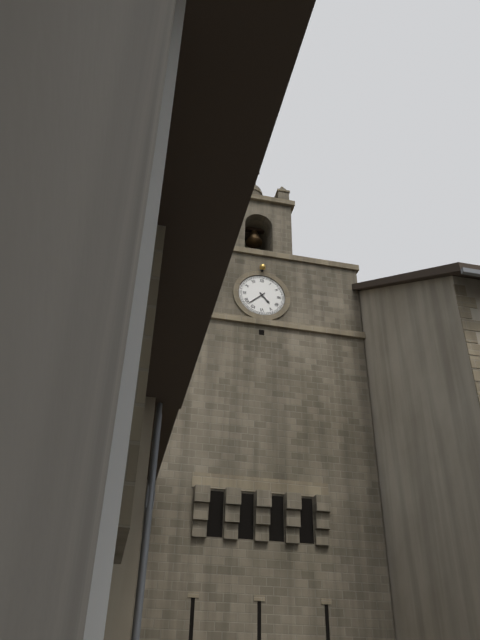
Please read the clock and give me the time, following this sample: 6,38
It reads 4,38
